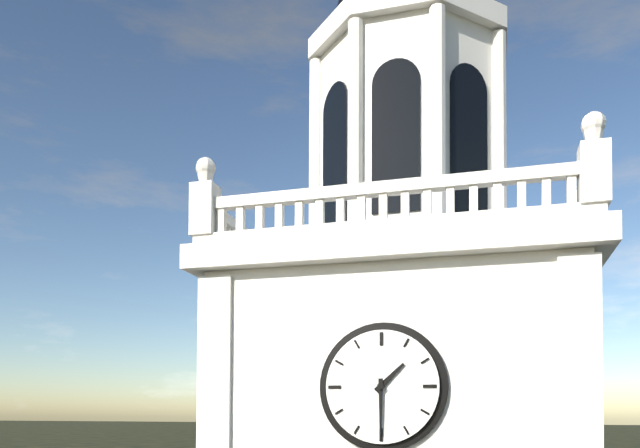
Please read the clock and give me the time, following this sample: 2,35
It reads 1,30
